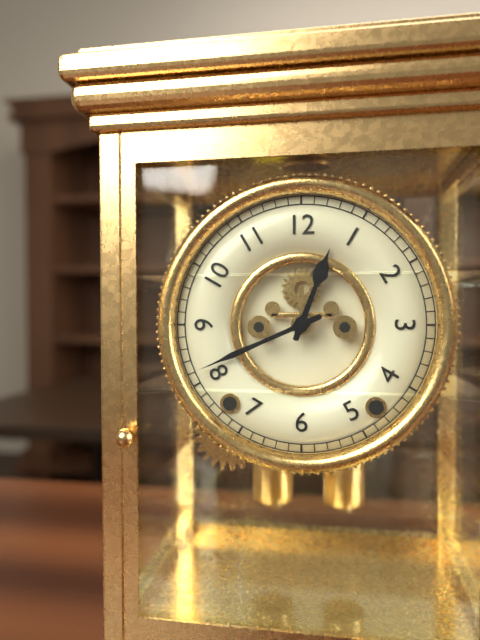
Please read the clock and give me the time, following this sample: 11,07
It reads 12,41
